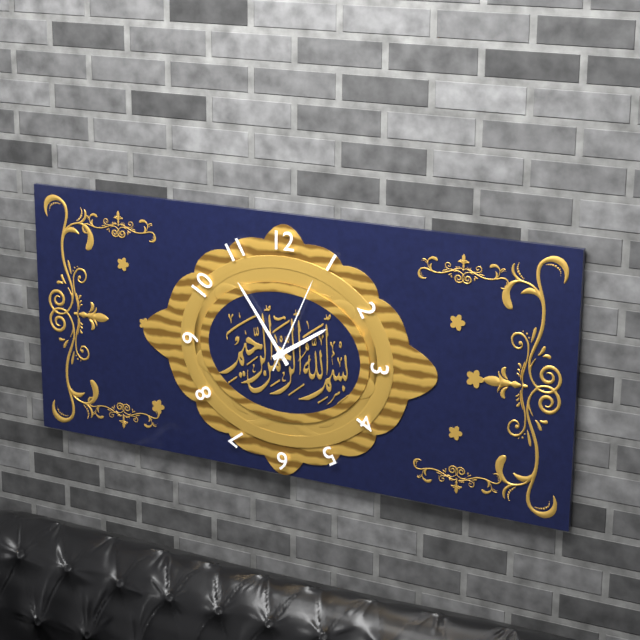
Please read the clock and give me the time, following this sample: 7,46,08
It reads 1,54,04
